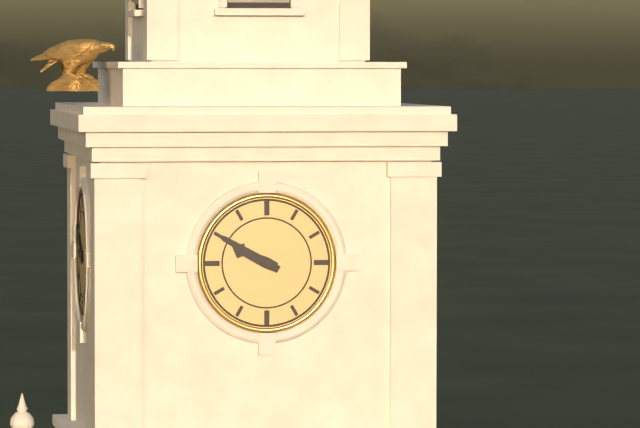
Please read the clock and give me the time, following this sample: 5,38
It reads 9,50
